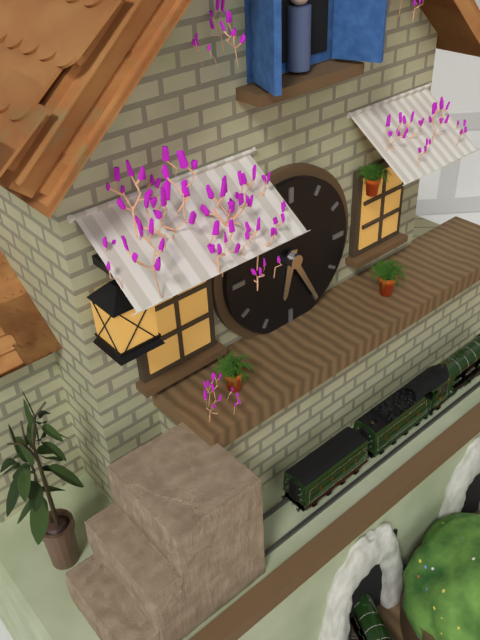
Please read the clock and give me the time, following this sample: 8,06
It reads 6,25
